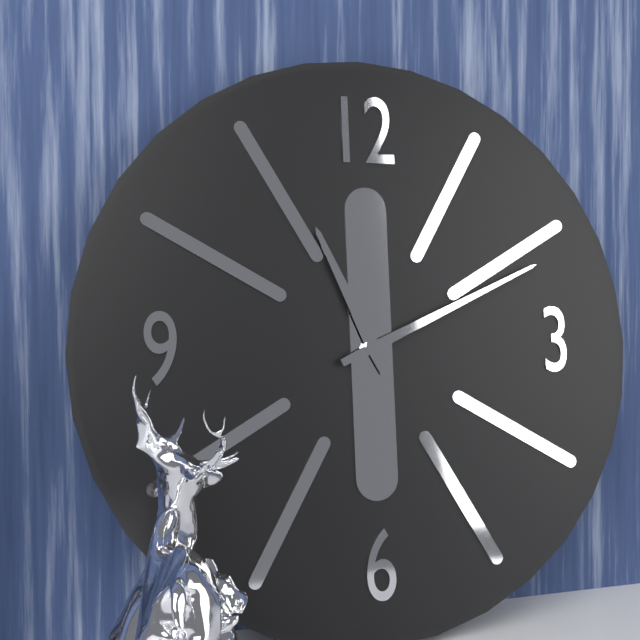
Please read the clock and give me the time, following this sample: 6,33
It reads 11,11
